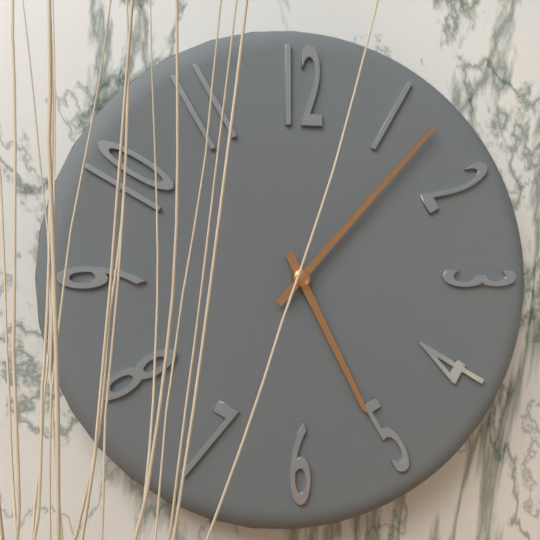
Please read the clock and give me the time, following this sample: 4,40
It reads 5,07
